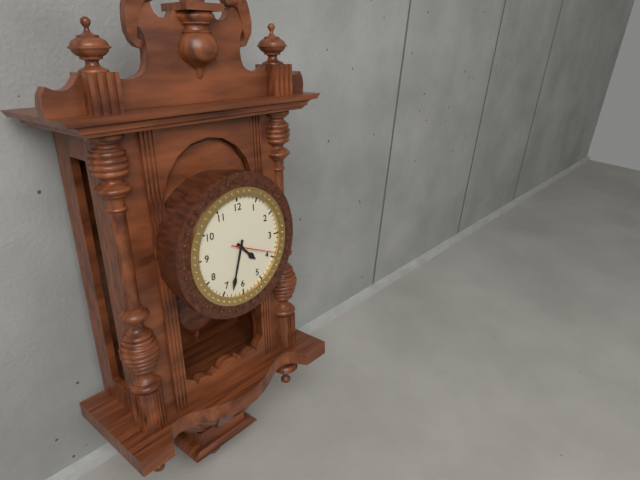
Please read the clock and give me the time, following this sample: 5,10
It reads 4,33
